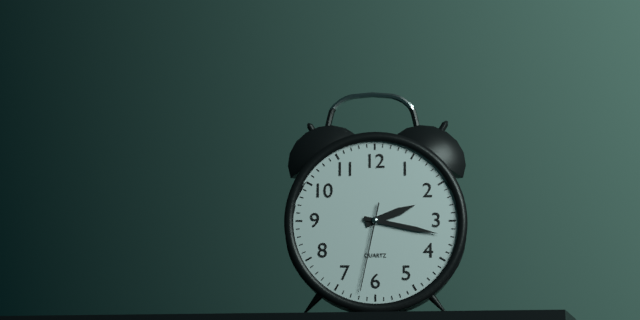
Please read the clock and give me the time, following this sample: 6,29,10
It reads 2,17,32
